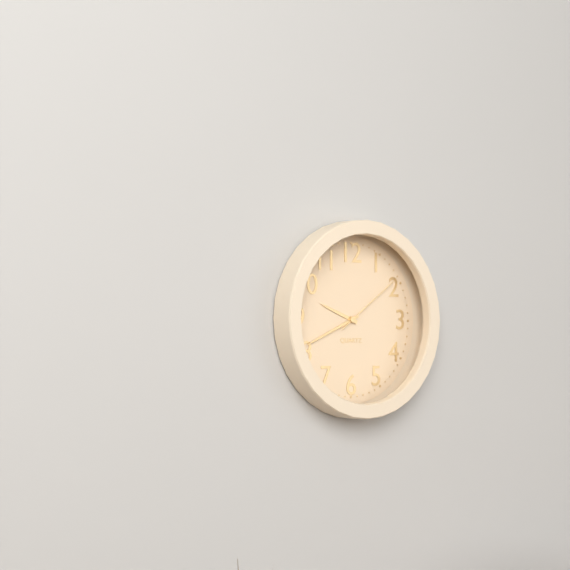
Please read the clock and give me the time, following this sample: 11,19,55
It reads 9,41,09
